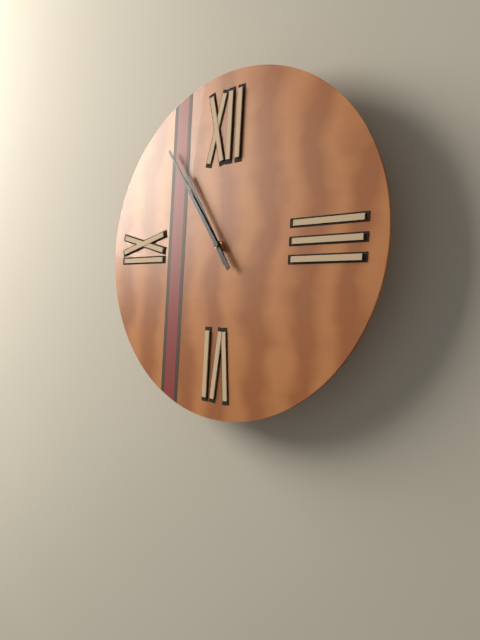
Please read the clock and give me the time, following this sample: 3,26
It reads 10,54
